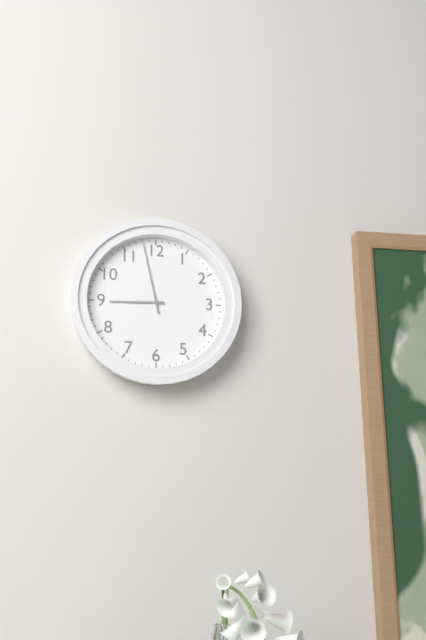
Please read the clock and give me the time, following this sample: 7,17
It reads 8,58
